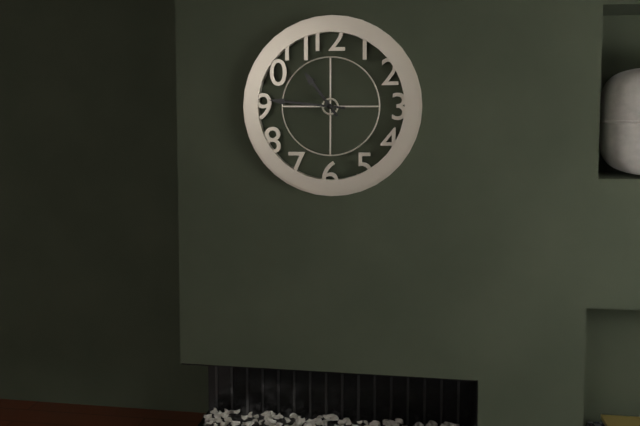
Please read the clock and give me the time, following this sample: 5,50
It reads 10,46
